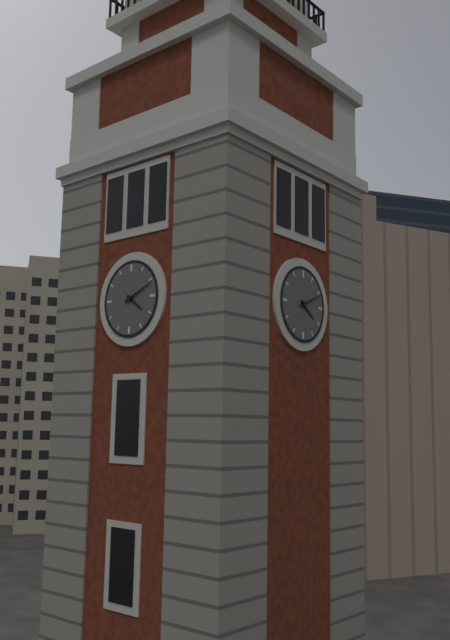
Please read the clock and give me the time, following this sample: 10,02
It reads 4,11
